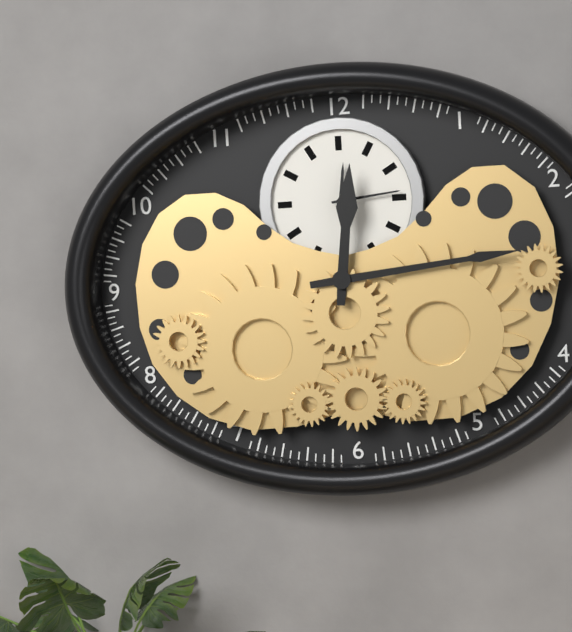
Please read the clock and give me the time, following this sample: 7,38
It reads 12,14
